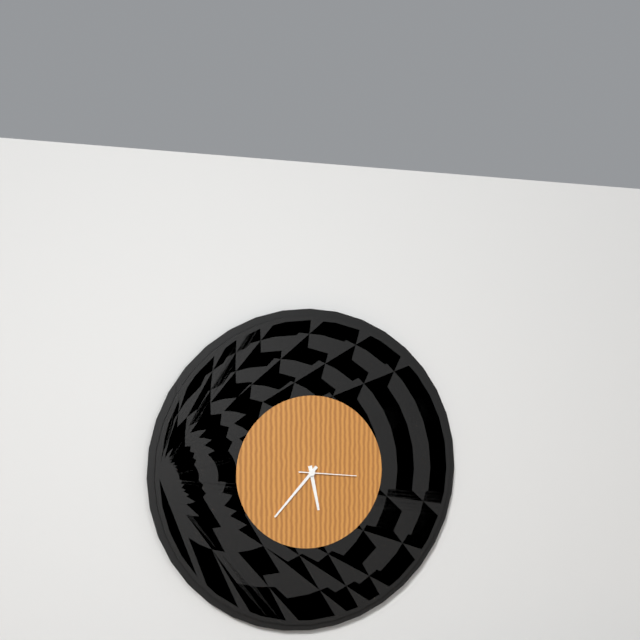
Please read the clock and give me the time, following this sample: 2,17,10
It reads 5,37,16
